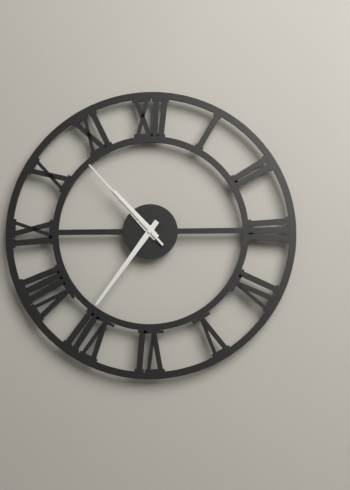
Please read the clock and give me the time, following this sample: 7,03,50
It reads 10,36,53
